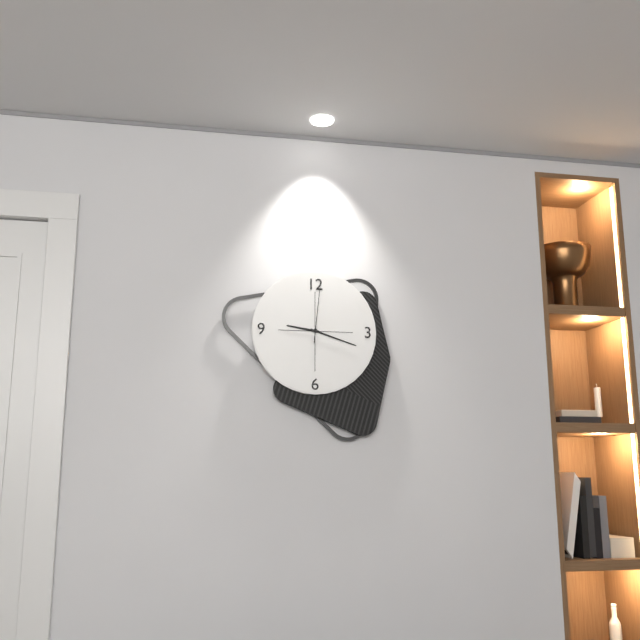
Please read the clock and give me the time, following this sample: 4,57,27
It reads 9,18,01
